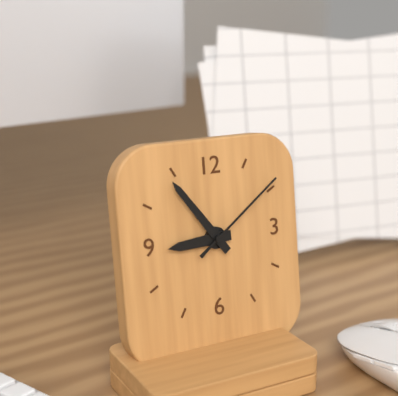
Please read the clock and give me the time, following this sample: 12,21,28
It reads 8,54,09
